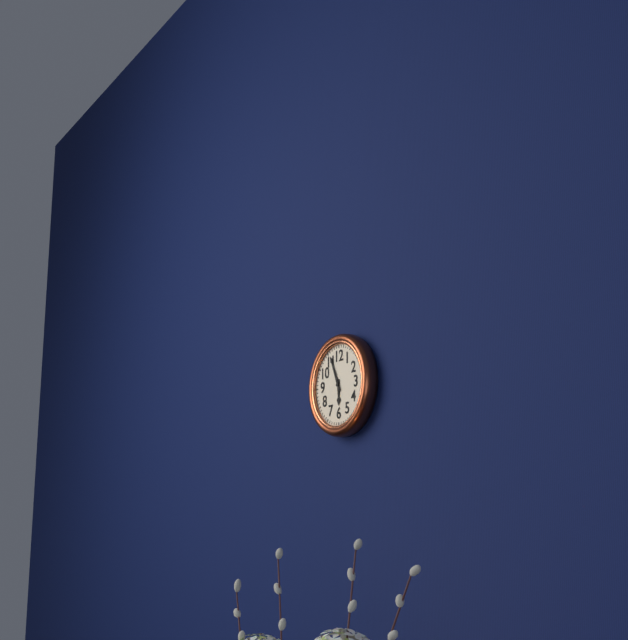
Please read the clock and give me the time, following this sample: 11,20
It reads 5,56
